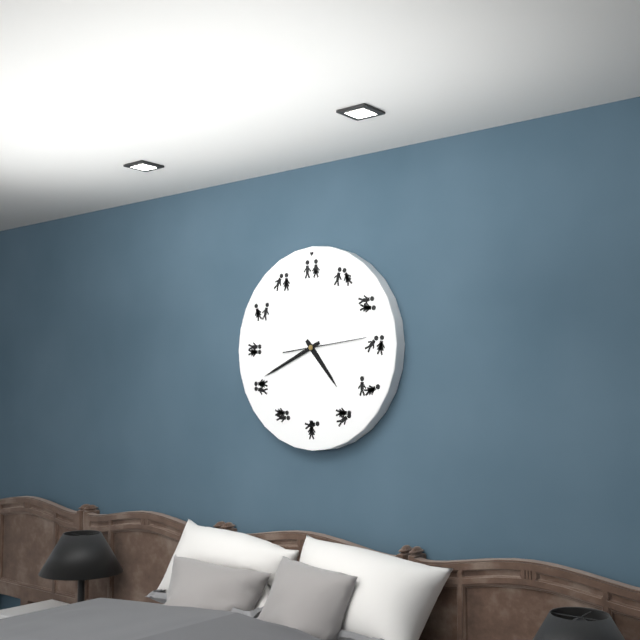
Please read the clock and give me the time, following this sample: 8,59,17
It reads 4,41,14
